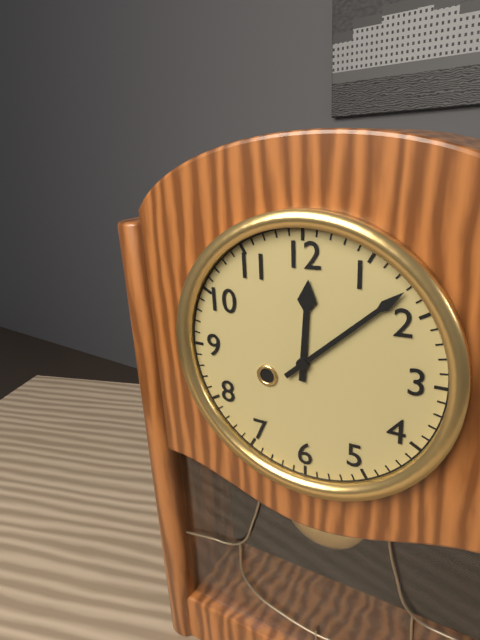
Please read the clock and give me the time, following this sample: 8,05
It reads 12,08
